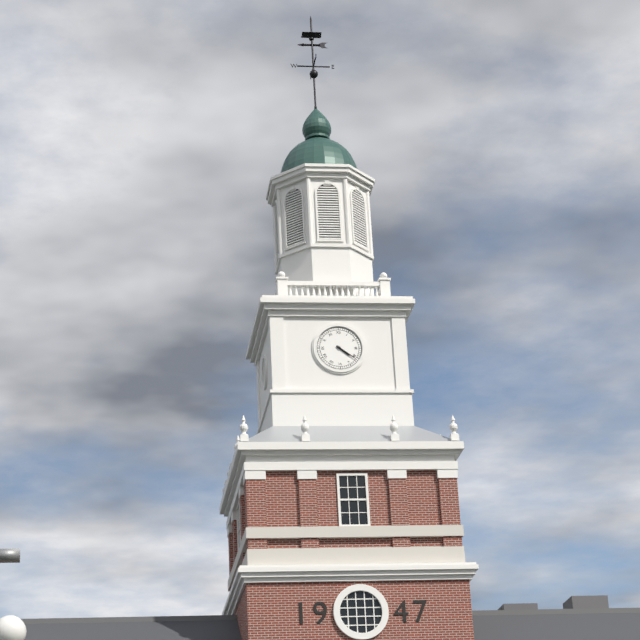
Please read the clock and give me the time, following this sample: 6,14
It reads 4,21
